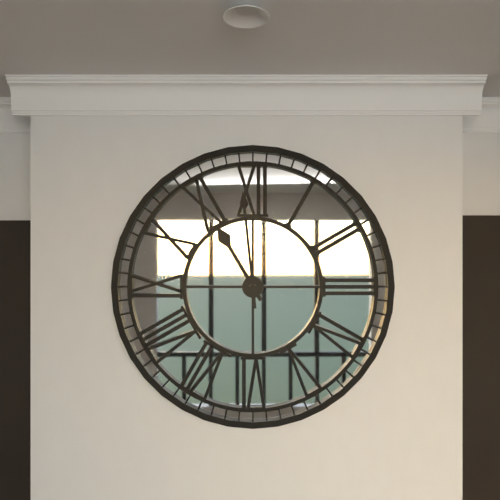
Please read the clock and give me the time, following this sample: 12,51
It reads 10,59
